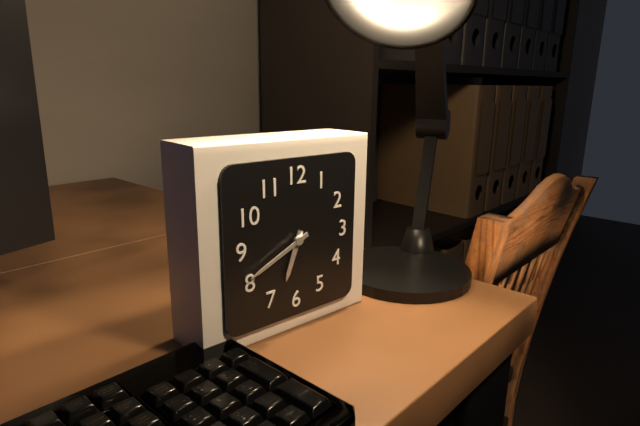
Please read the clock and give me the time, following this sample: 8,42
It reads 6,41
